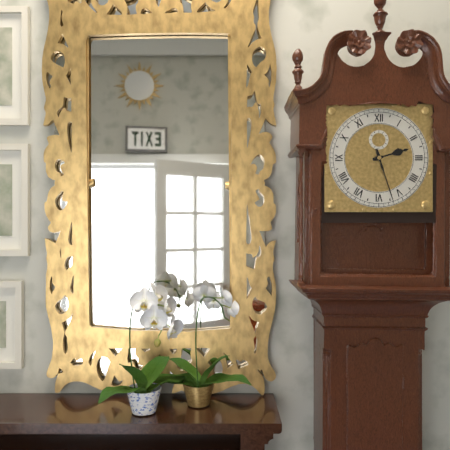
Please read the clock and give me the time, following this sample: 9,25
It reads 2,27
